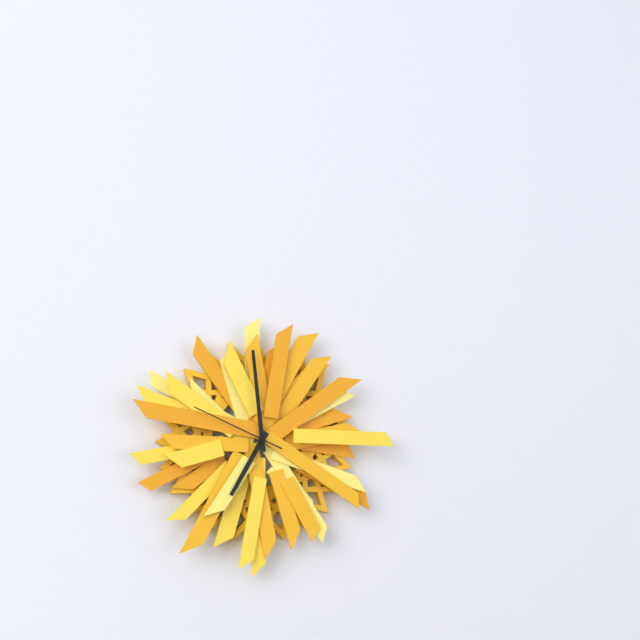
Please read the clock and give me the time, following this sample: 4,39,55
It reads 6,59,49
